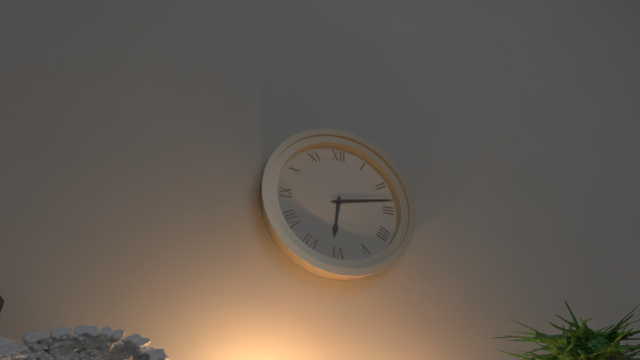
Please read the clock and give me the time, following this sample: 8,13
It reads 6,13
